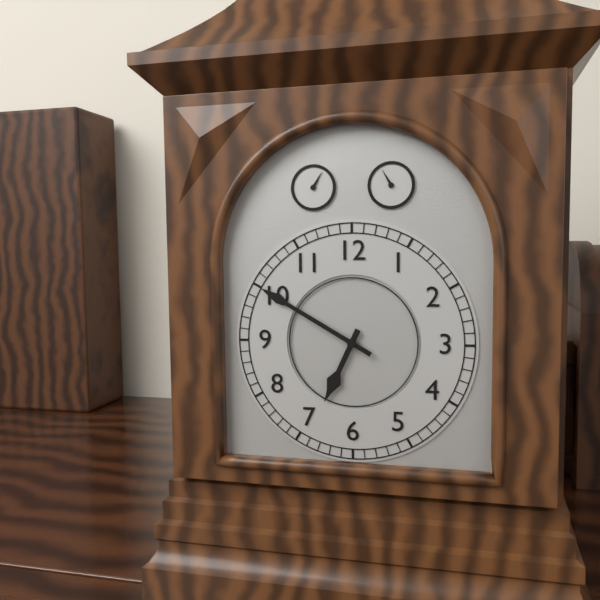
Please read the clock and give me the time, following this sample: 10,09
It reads 6,50
